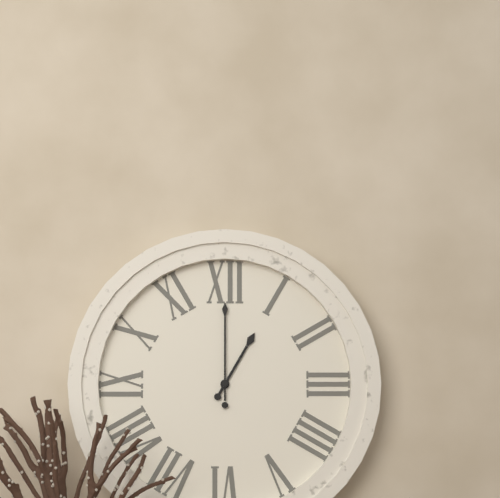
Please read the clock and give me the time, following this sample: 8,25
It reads 1,00
